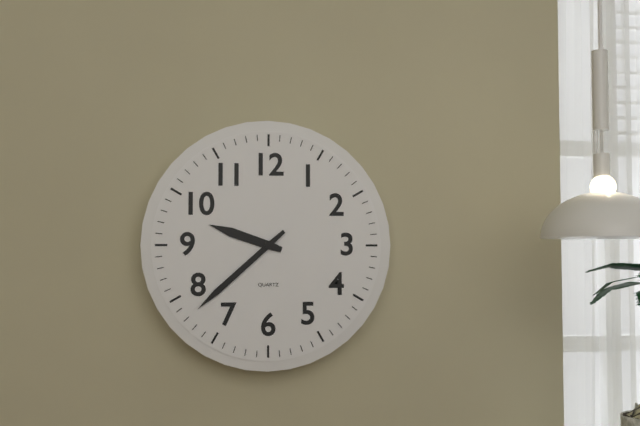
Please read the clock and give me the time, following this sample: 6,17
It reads 9,38
